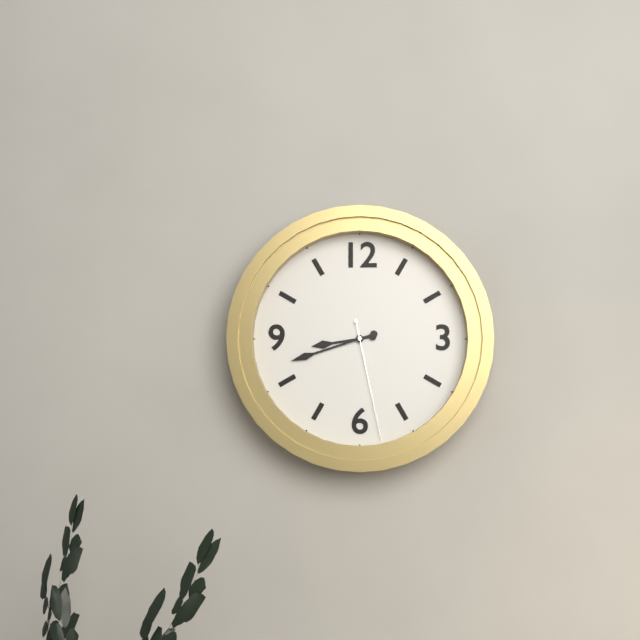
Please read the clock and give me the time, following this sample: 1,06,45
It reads 8,42,28
